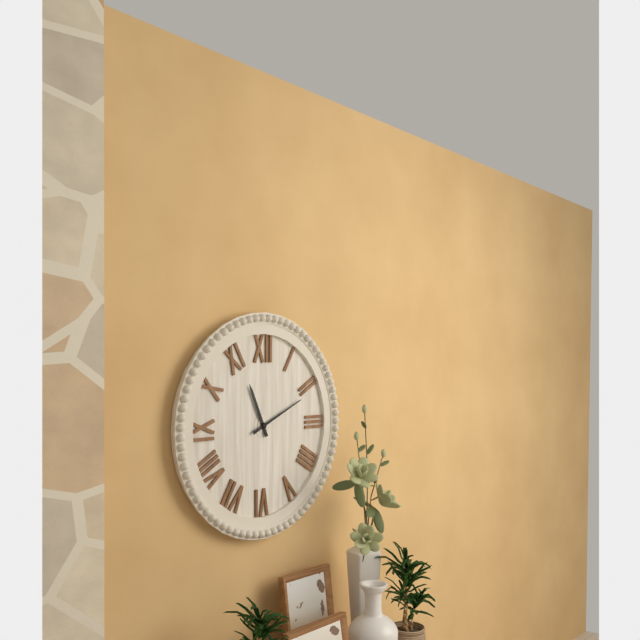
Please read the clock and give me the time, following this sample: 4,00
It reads 11,11
